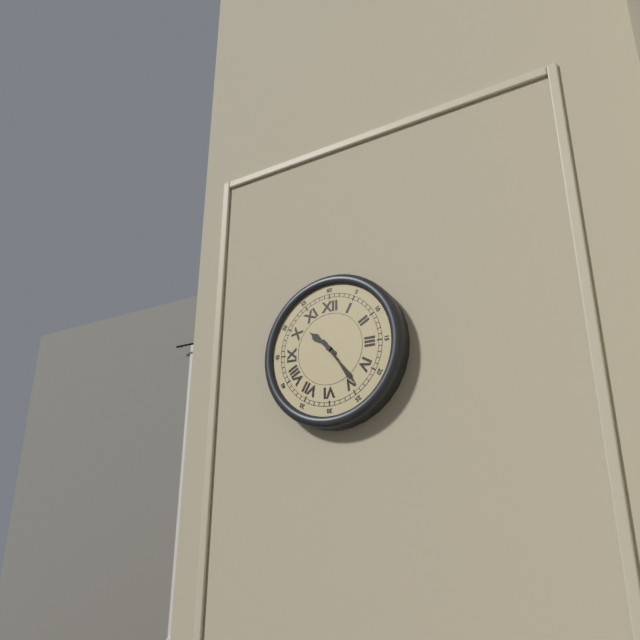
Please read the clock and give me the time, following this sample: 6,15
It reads 10,24
